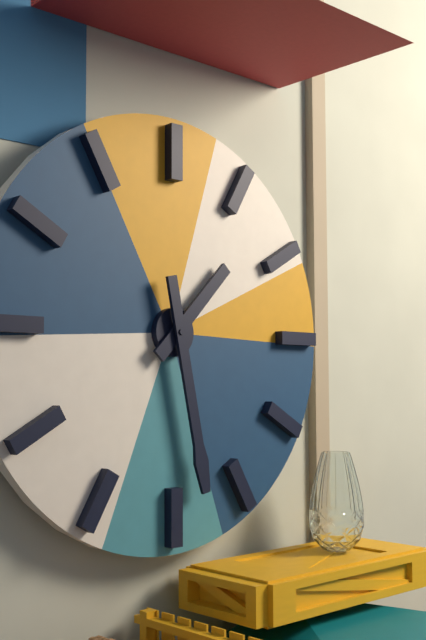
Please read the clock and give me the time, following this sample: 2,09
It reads 1,28
